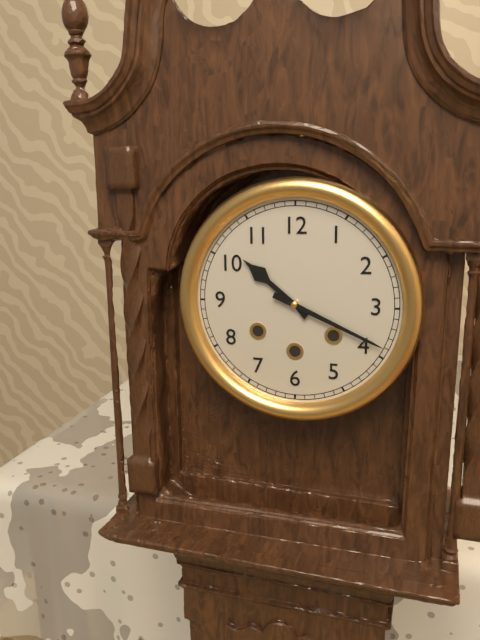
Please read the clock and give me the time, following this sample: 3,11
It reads 10,19
